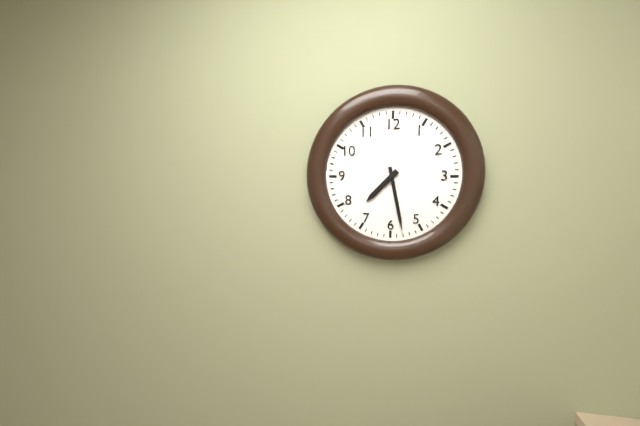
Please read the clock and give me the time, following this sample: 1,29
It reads 7,28
